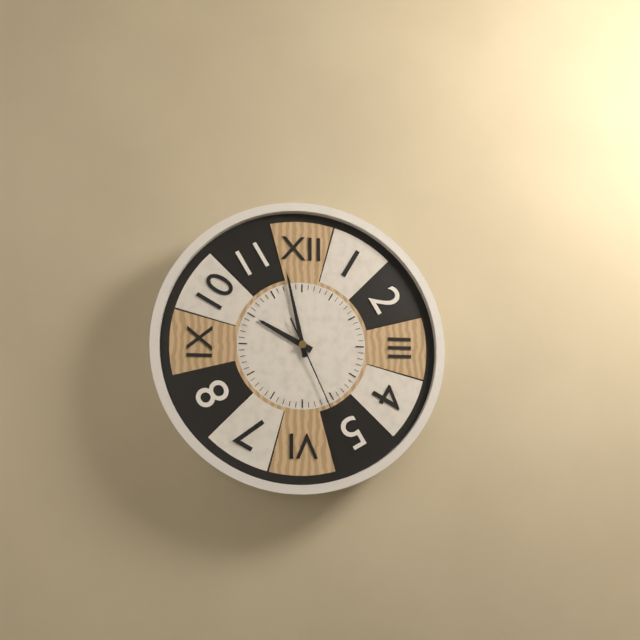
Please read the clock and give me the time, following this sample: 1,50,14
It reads 9,58,26
